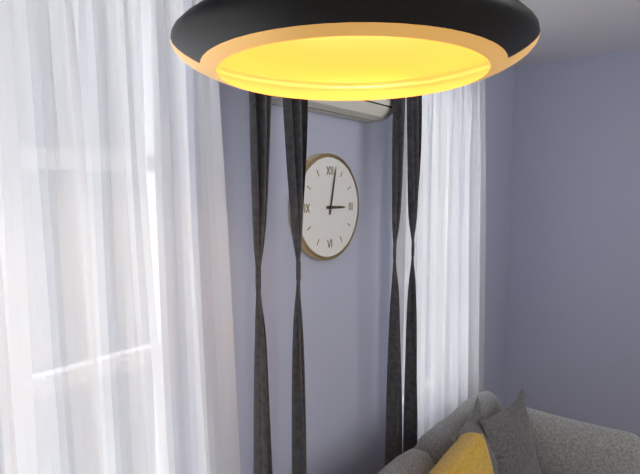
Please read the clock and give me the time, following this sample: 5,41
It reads 3,02
